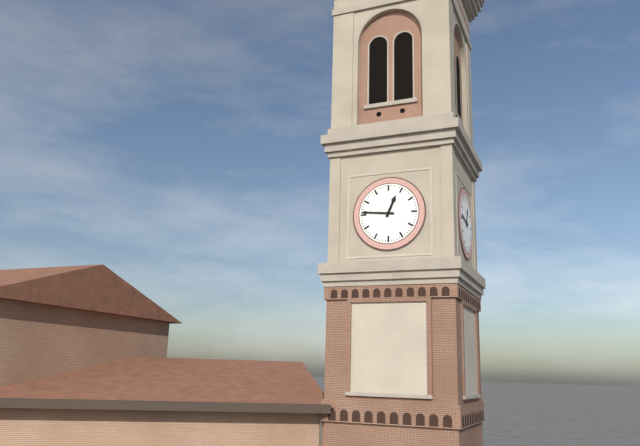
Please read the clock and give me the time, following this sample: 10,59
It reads 12,46
